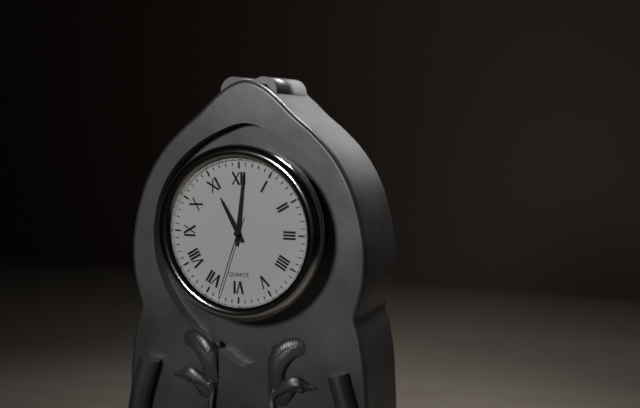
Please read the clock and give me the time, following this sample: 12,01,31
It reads 11,01,33
